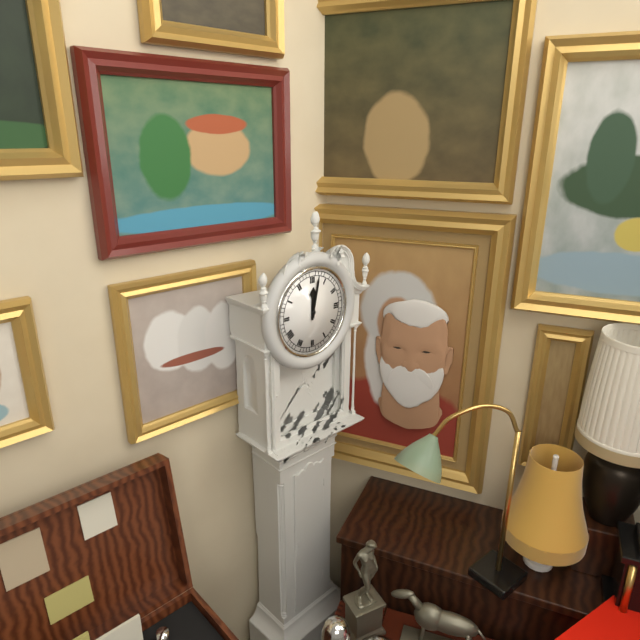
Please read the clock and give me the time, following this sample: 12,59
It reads 12,02
